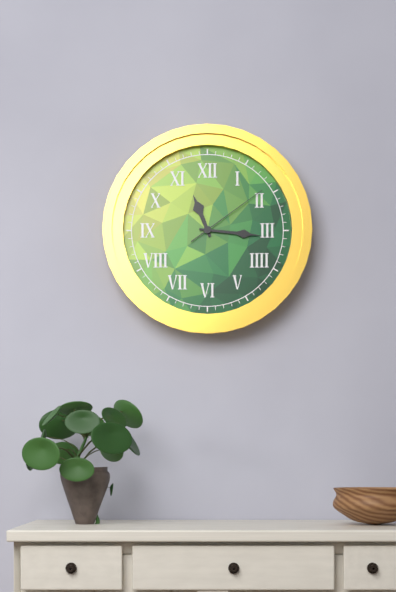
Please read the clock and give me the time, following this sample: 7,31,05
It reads 11,16,09
